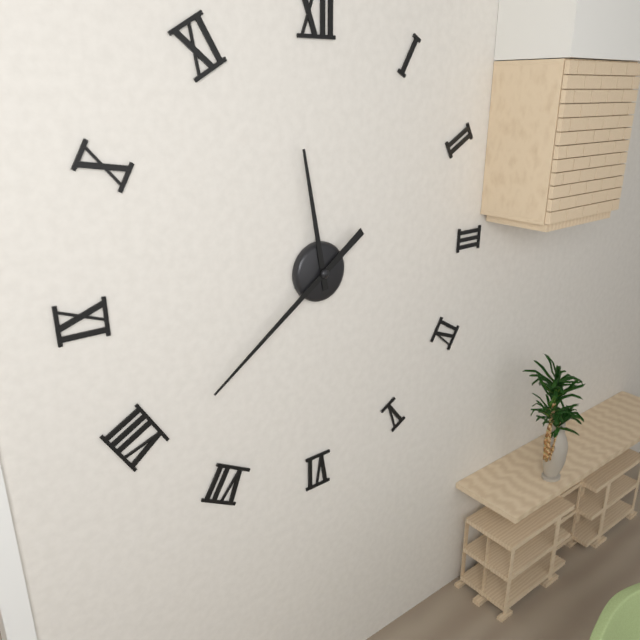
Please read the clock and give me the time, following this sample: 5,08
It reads 11,39
